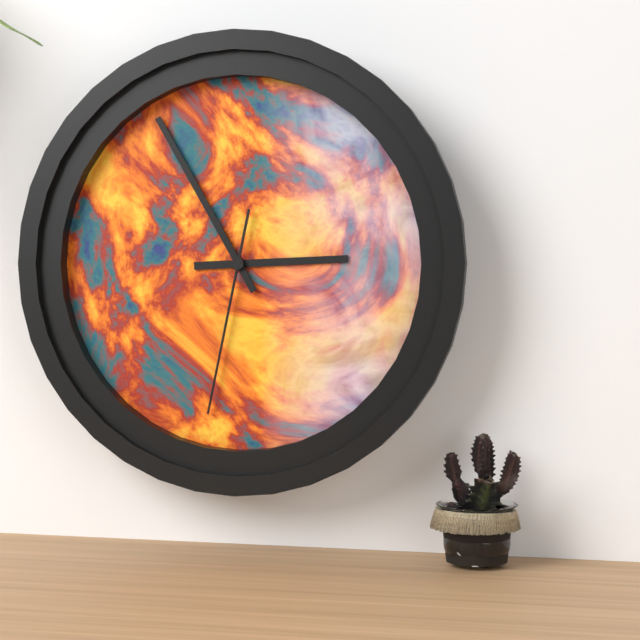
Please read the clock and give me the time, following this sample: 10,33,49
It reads 2,55,32
